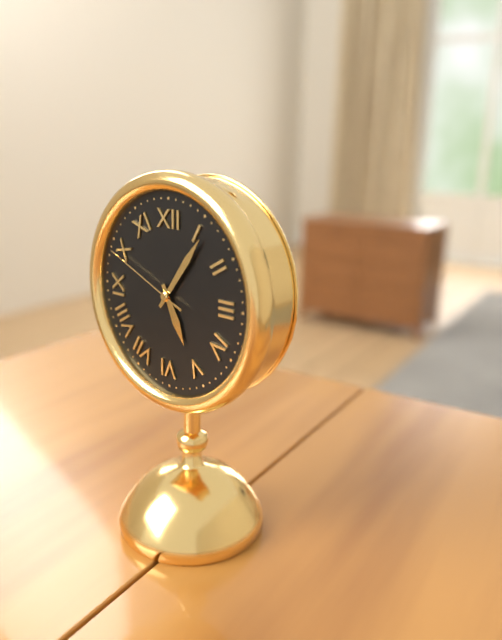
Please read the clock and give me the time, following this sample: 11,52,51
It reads 5,06,49
